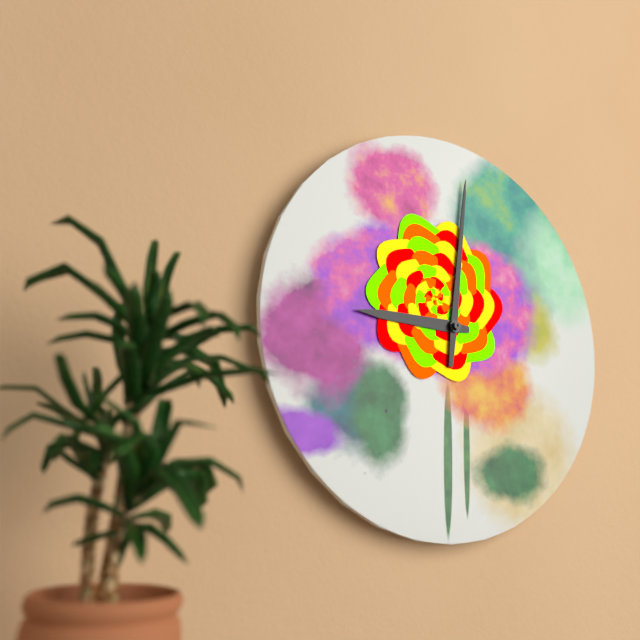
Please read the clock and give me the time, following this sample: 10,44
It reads 9,01
